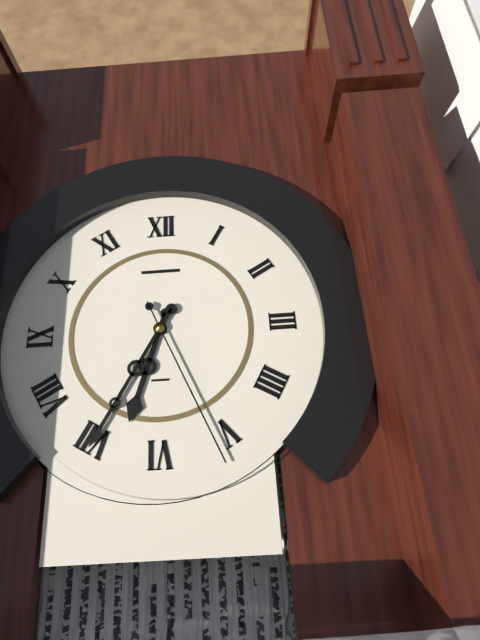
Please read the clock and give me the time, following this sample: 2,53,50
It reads 6,35,26
